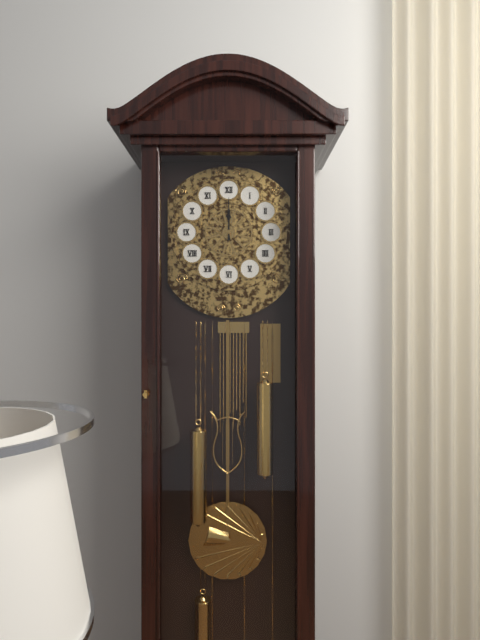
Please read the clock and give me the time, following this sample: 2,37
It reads 12,00
